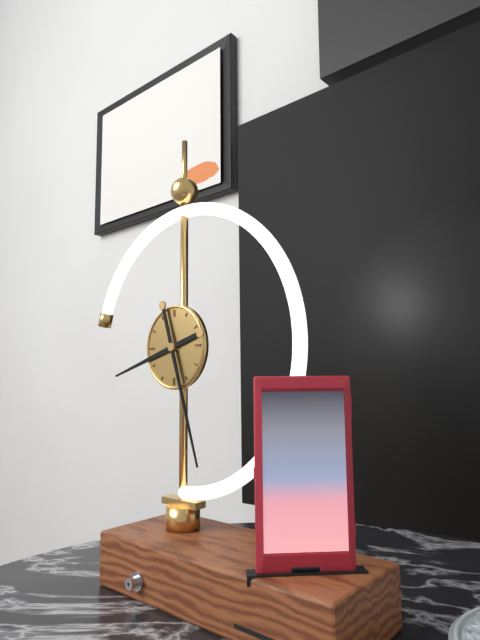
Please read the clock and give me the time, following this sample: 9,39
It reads 8,27
